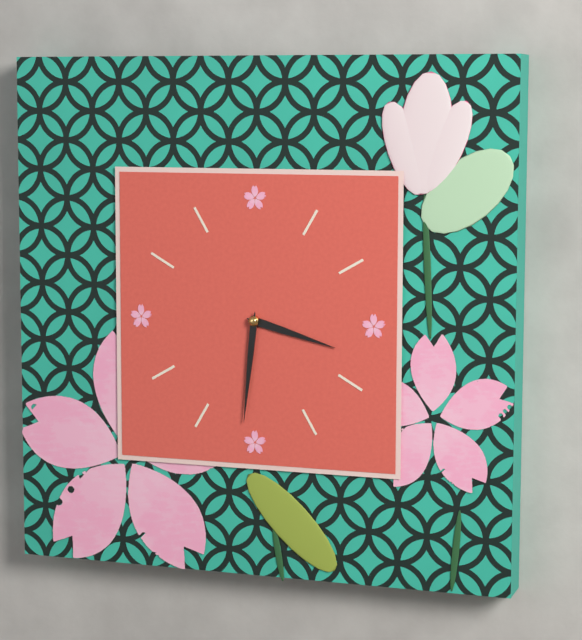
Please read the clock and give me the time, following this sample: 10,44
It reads 3,31
